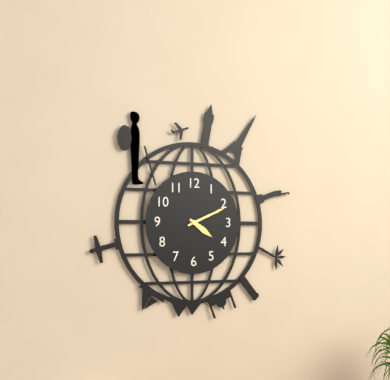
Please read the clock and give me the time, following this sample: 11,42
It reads 4,11
